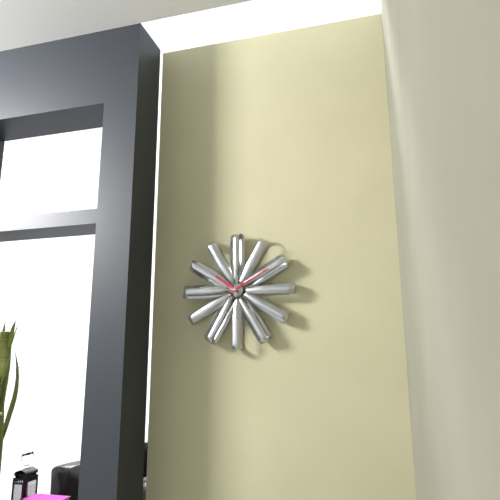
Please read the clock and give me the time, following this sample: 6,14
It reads 10,10
